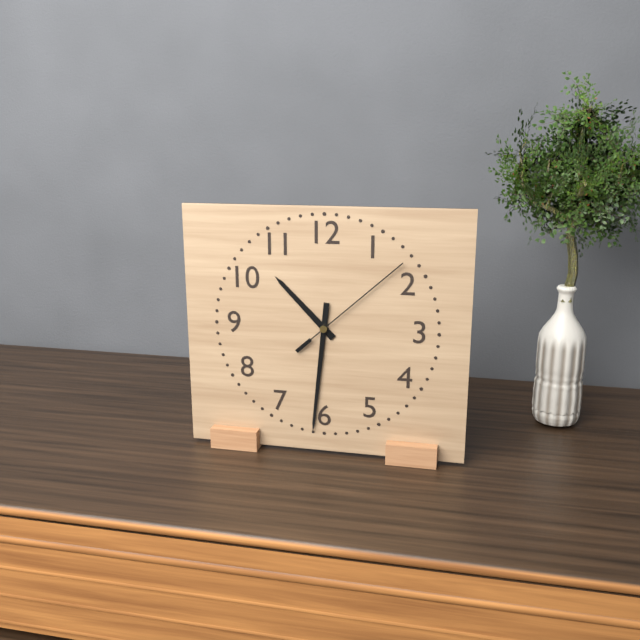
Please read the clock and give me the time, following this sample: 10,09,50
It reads 10,31,08
